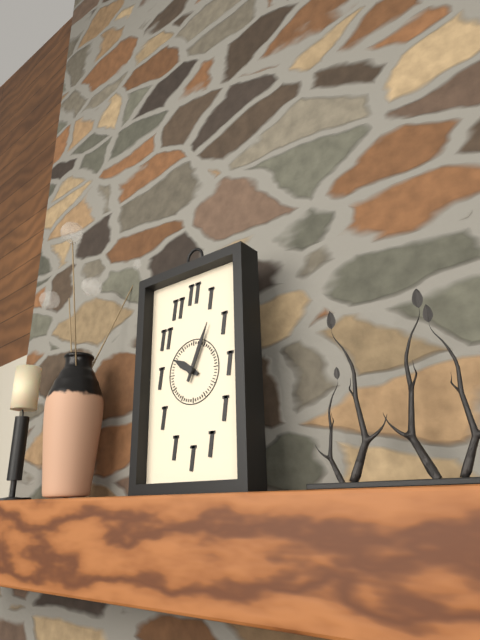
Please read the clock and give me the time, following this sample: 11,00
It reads 10,04
